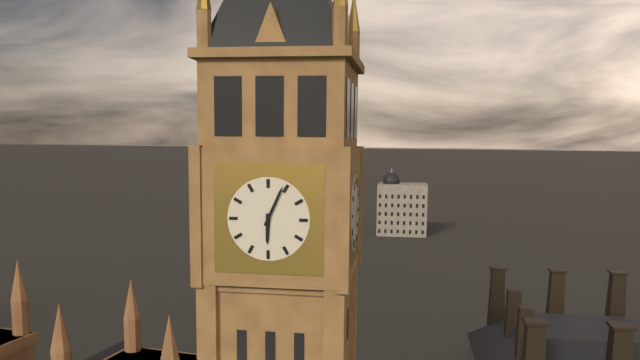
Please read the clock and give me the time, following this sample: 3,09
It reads 6,04
